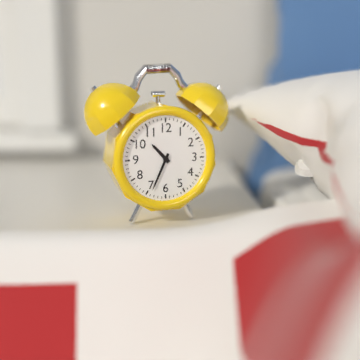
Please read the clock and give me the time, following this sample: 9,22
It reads 10,34
